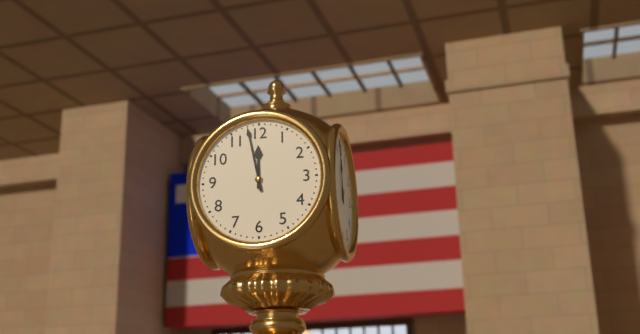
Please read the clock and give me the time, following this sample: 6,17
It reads 11,58
